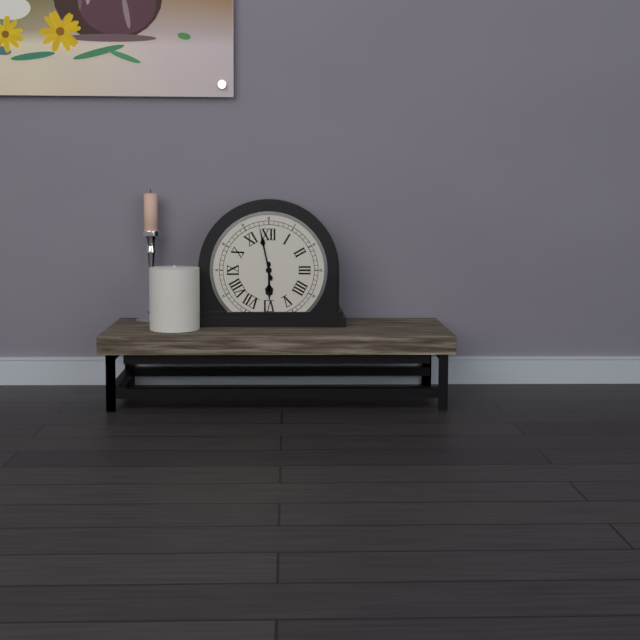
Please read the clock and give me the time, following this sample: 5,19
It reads 5,58
